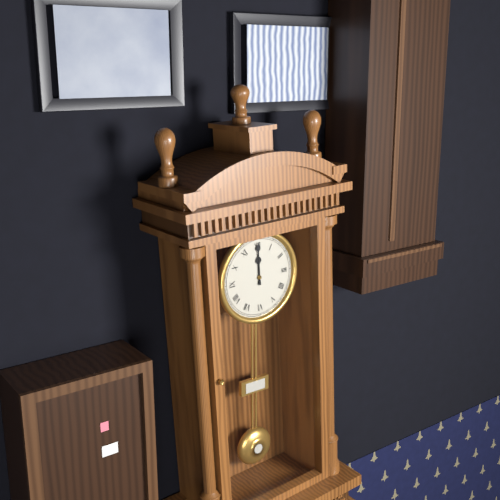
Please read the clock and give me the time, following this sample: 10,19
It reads 12,00
